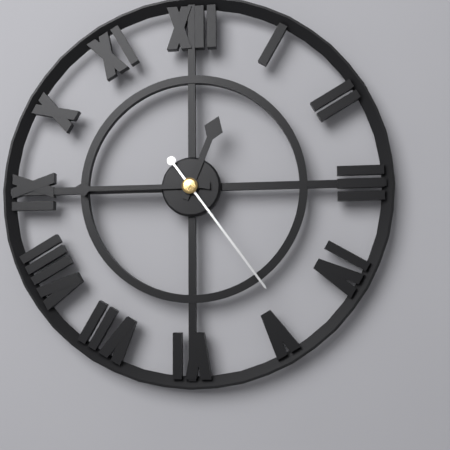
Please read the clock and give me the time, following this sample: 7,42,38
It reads 12,45,24
